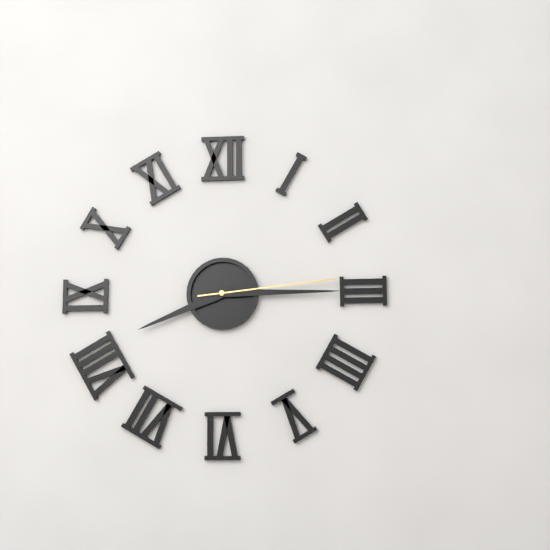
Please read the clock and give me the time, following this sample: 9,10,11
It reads 8,15,14
